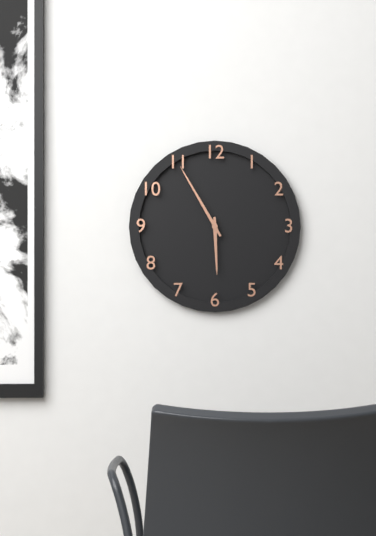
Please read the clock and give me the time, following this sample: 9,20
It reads 5,55
